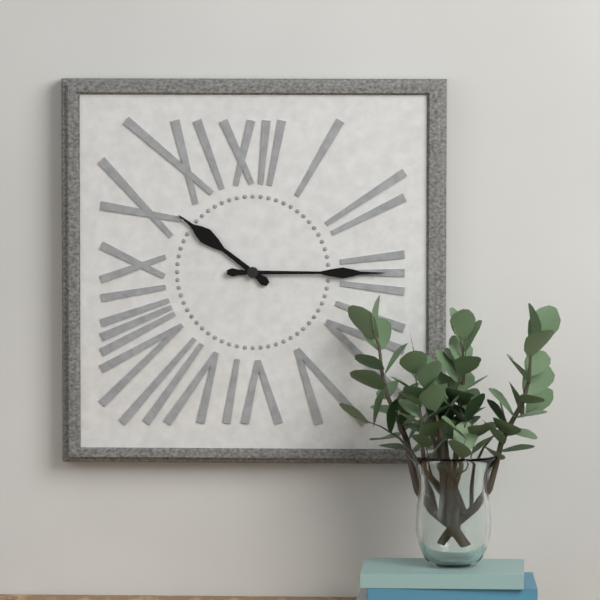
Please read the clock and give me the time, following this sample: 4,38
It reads 10,15
